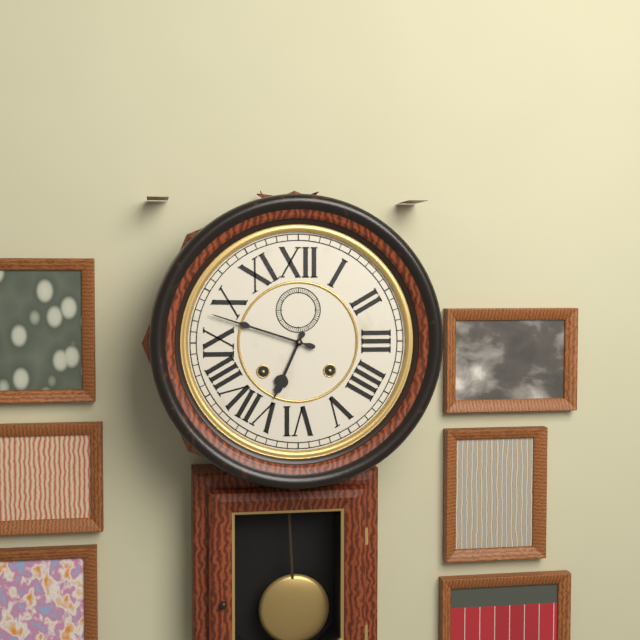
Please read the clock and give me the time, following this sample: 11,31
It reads 6,48
